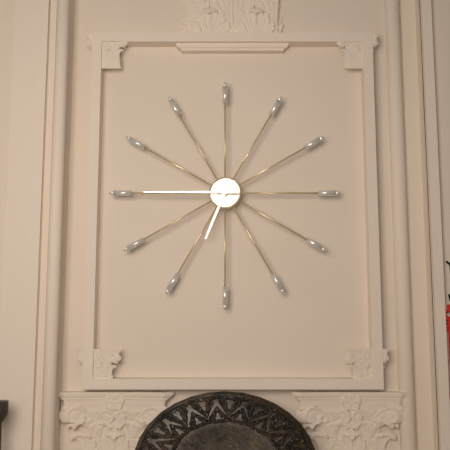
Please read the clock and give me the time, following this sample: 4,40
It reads 6,45
